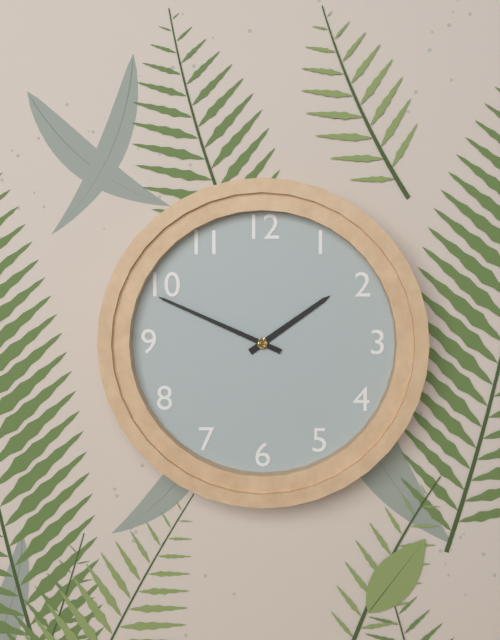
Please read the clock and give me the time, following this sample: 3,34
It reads 1,49
